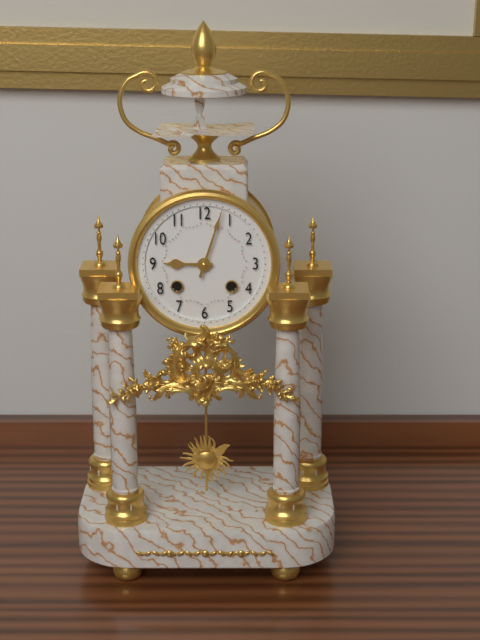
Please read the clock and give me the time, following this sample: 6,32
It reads 9,03
